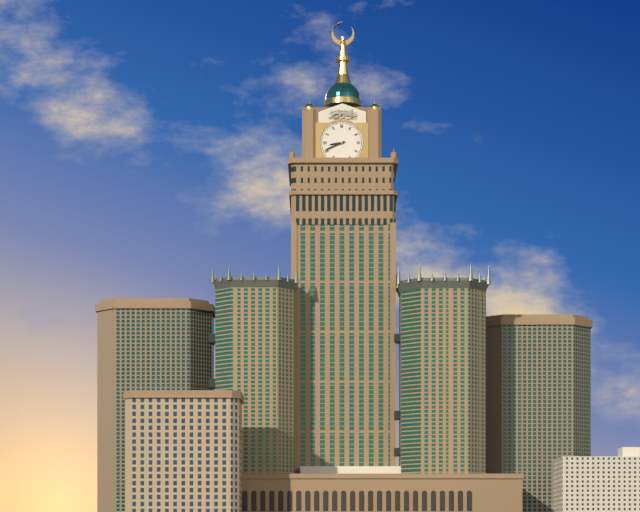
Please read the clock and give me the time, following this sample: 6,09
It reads 8,41
